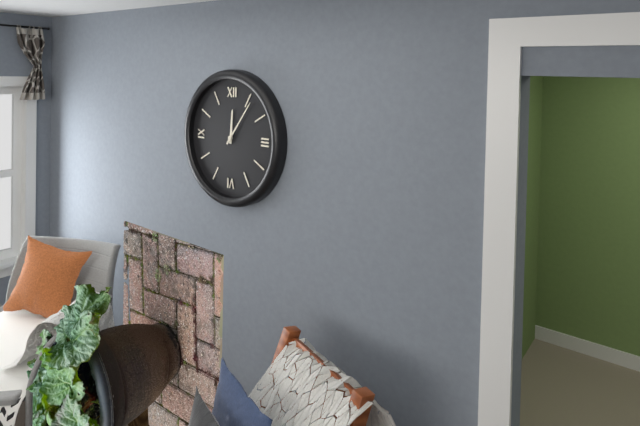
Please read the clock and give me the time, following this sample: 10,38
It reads 12,06
